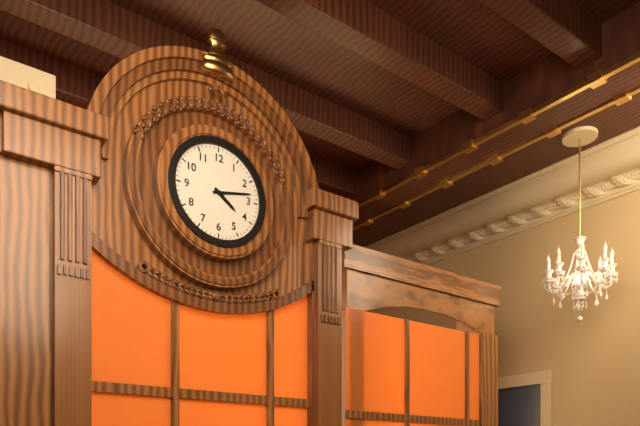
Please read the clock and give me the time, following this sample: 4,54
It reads 4,13
